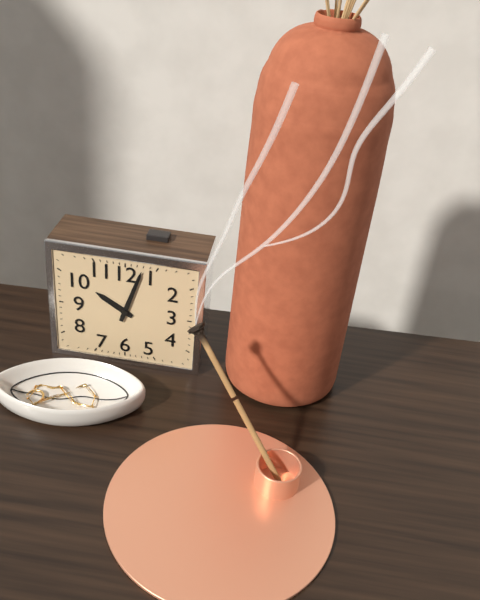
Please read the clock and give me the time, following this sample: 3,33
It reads 10,03
